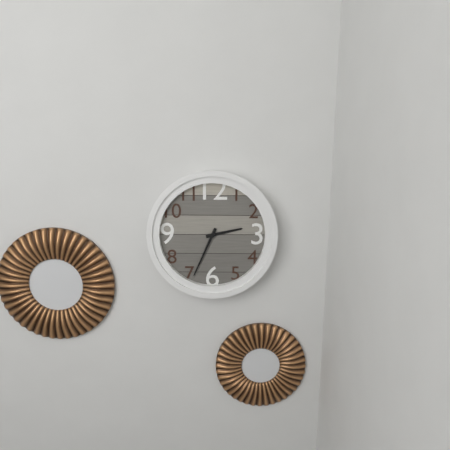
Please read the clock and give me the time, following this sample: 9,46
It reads 2,34
